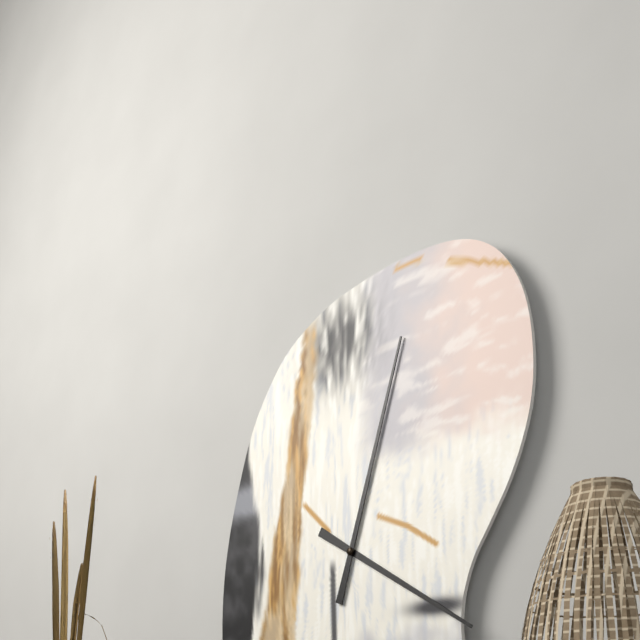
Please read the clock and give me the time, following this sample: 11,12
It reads 4,03
